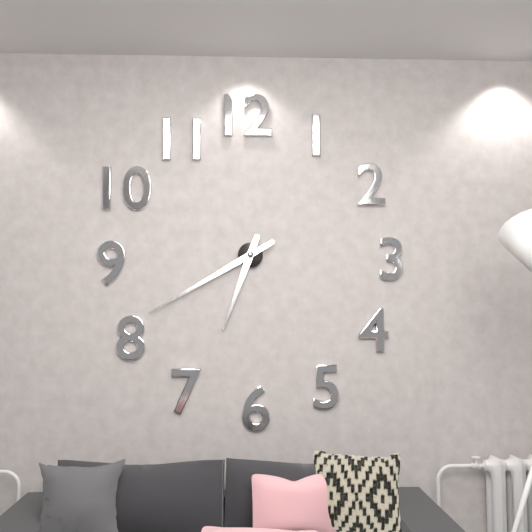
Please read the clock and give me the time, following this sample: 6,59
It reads 6,40
